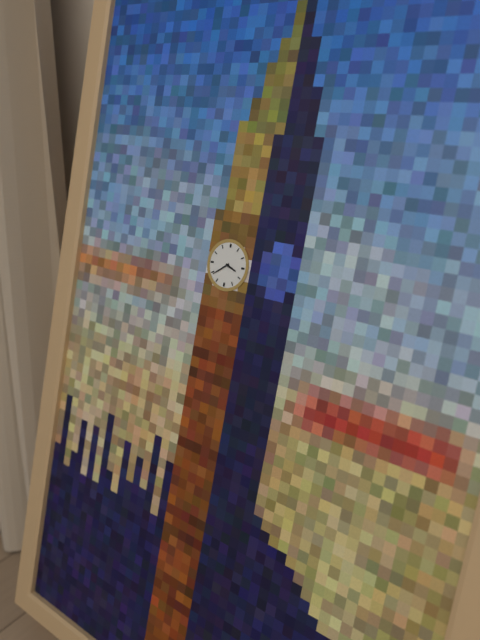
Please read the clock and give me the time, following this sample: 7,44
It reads 3,39
